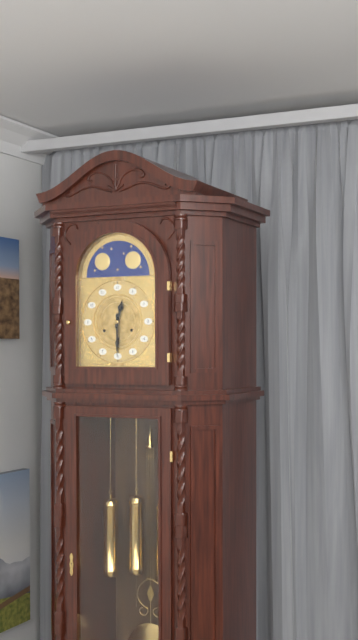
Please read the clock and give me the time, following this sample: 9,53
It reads 12,30
